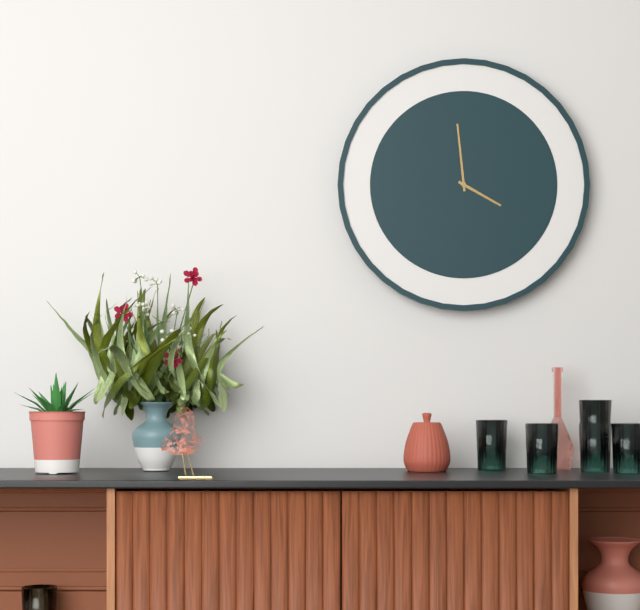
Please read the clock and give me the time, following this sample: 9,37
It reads 3,59
